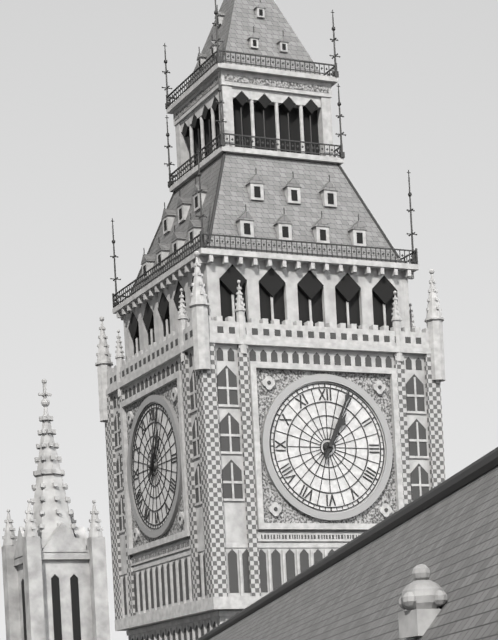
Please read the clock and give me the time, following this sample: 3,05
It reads 1,04
